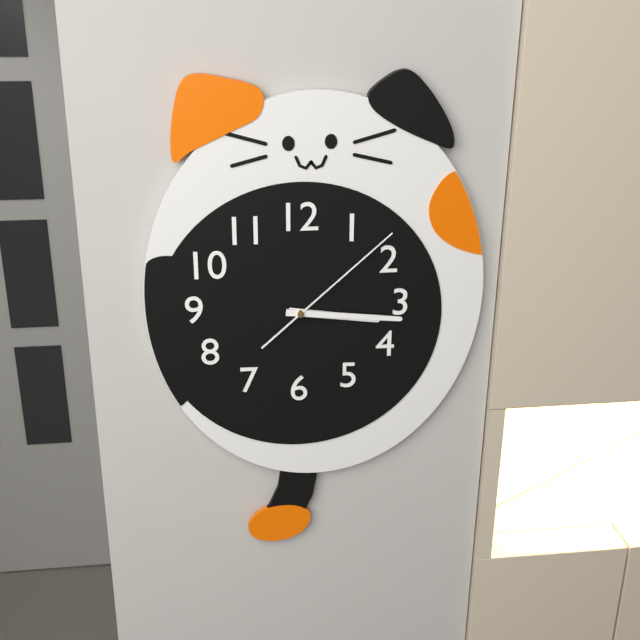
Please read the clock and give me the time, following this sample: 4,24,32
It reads 3,16,08
